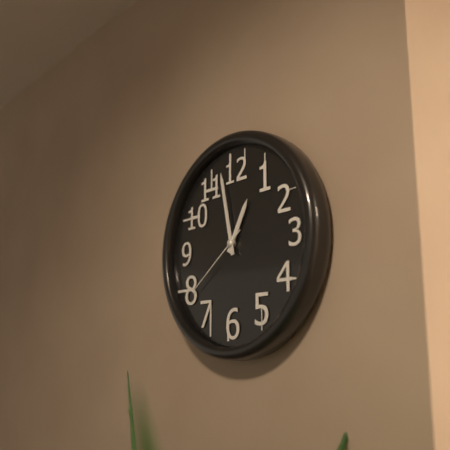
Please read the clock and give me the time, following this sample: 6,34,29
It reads 12,58,39
